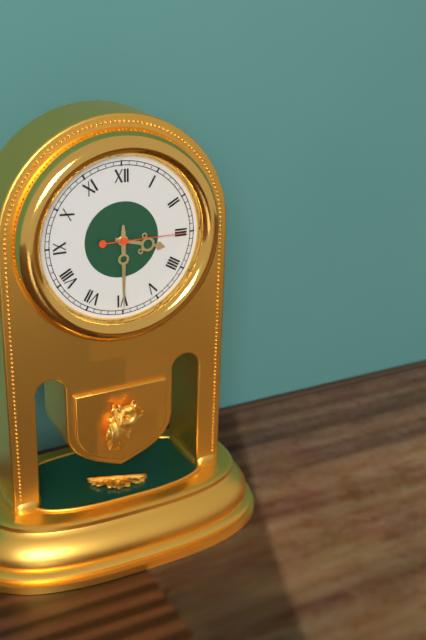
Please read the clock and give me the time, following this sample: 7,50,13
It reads 3,30,15
